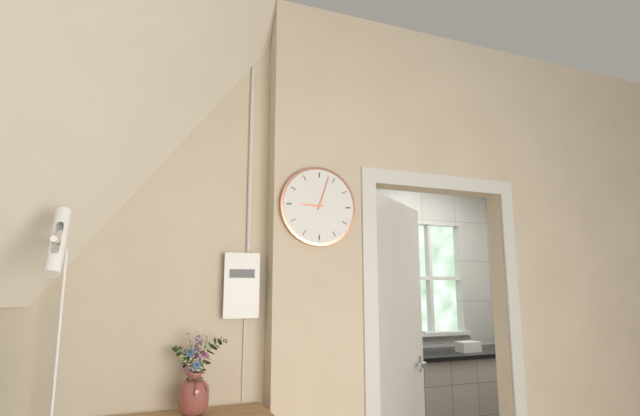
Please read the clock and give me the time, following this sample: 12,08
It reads 9,03
